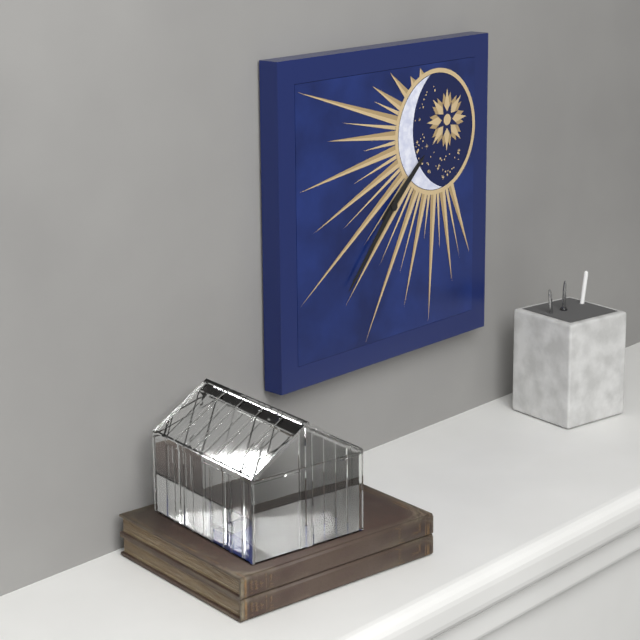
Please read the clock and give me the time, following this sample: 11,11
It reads 1,37
